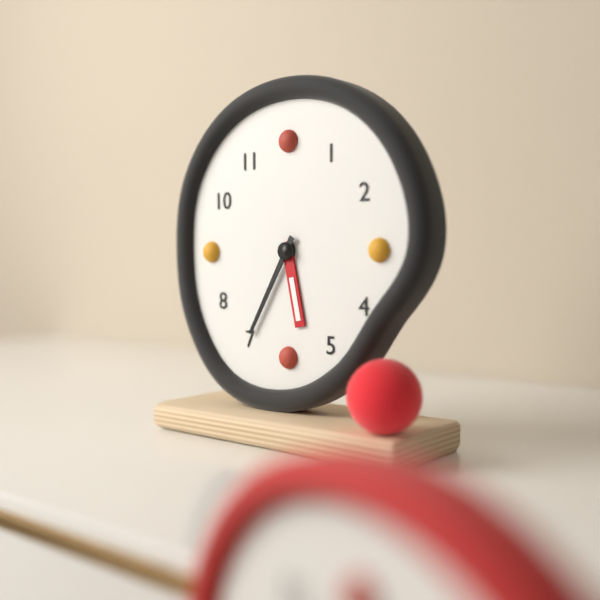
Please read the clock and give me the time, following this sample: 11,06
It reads 5,35
